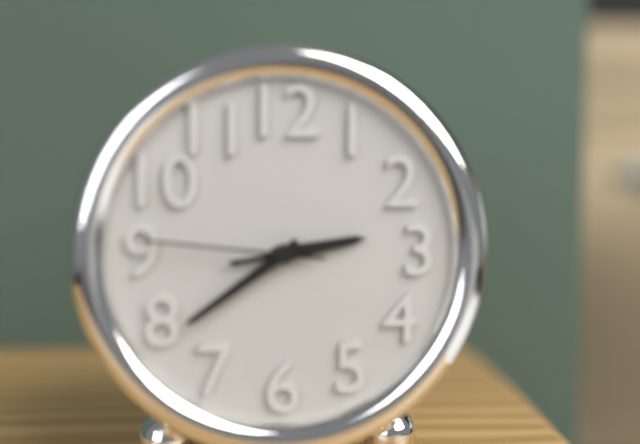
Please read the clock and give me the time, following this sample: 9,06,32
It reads 2,39,46
